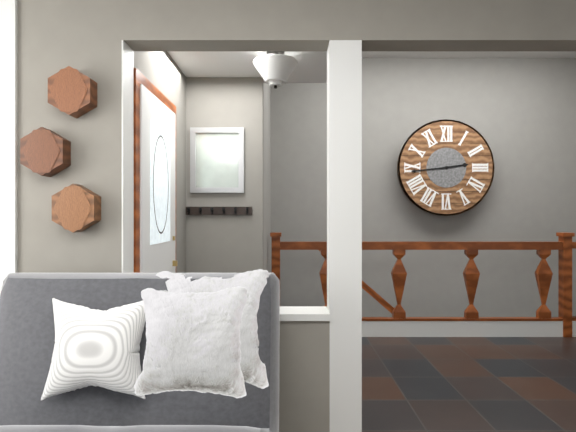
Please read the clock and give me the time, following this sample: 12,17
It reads 2,44
